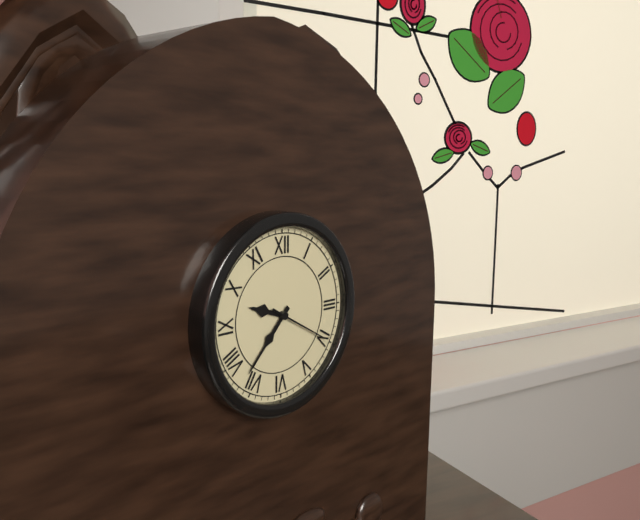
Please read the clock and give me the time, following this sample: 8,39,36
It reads 9,37,20
